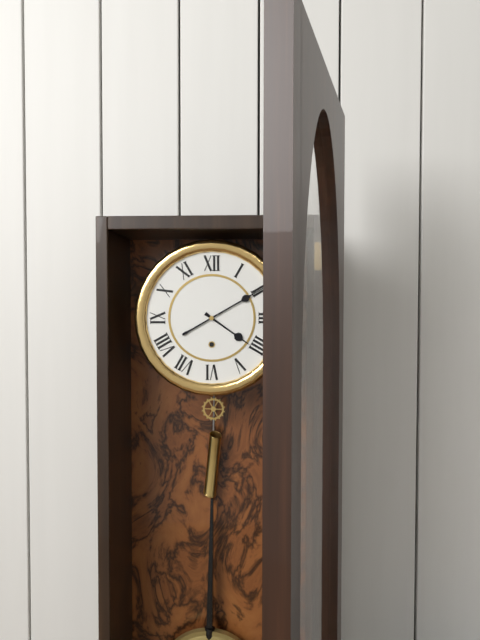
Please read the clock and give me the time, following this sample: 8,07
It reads 4,10
